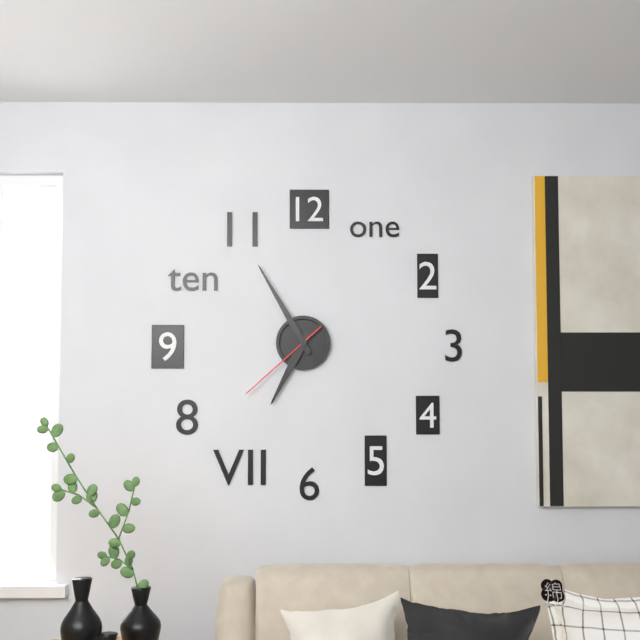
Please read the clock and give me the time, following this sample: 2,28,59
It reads 6,55,38
